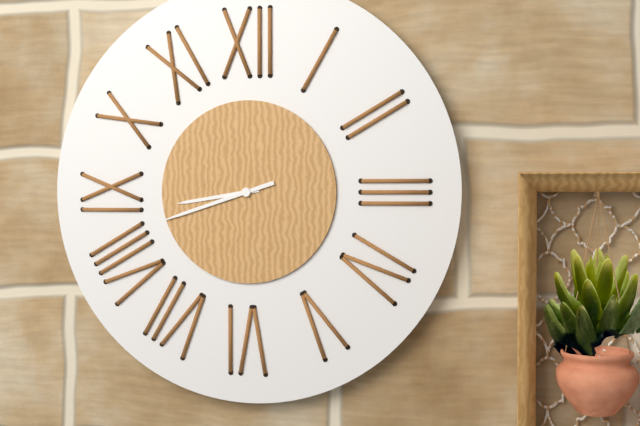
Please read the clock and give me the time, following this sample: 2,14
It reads 8,42
